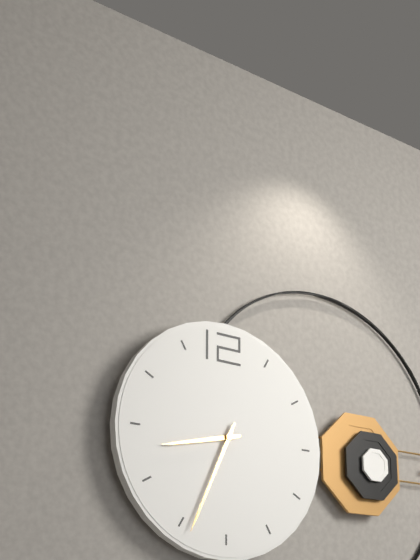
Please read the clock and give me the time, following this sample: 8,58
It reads 8,34
